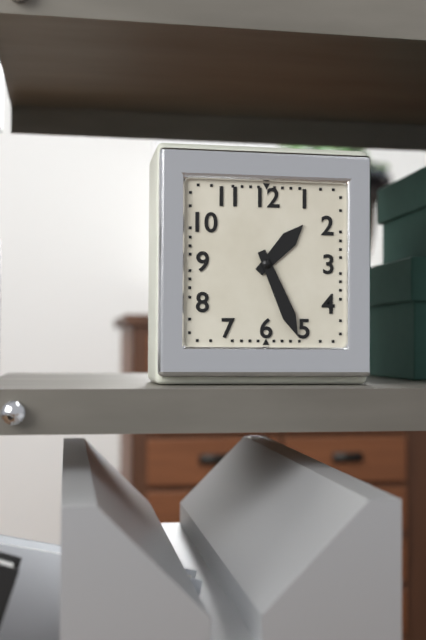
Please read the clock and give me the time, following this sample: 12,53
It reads 1,26
